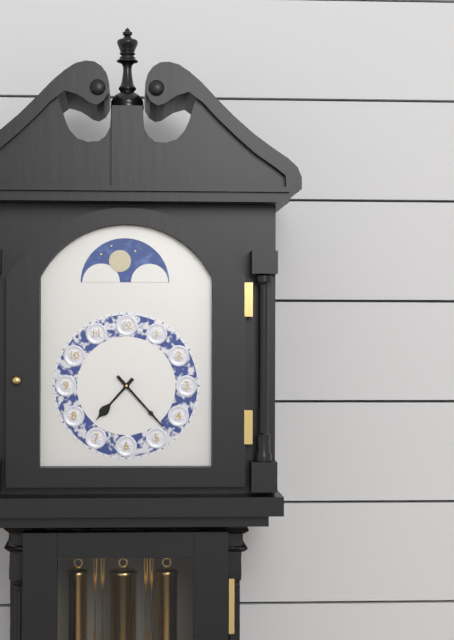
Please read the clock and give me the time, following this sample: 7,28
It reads 7,23
